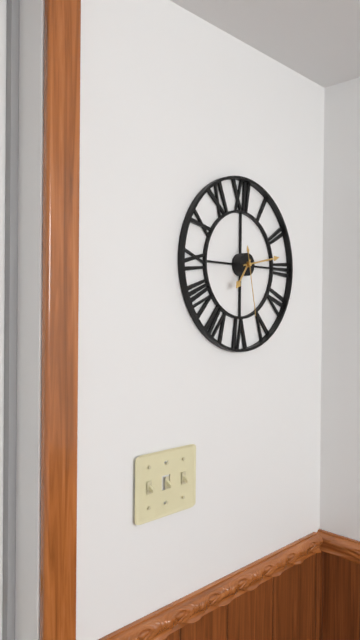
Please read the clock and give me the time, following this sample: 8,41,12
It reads 7,13,28
